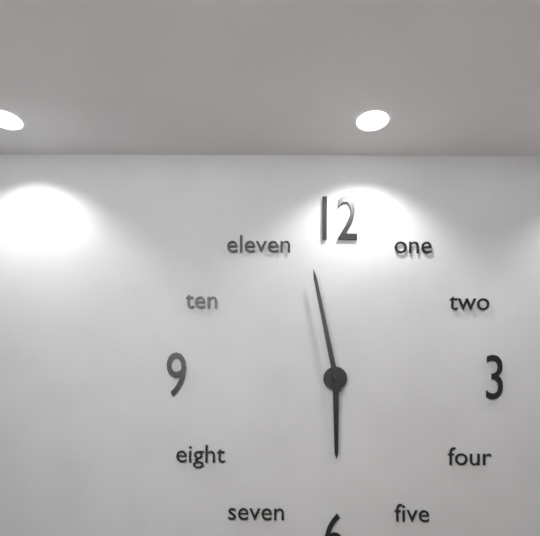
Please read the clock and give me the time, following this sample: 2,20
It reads 5,58
